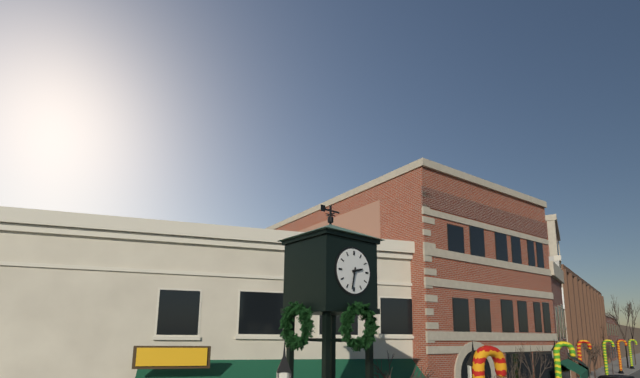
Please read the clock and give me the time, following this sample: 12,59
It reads 2,32
